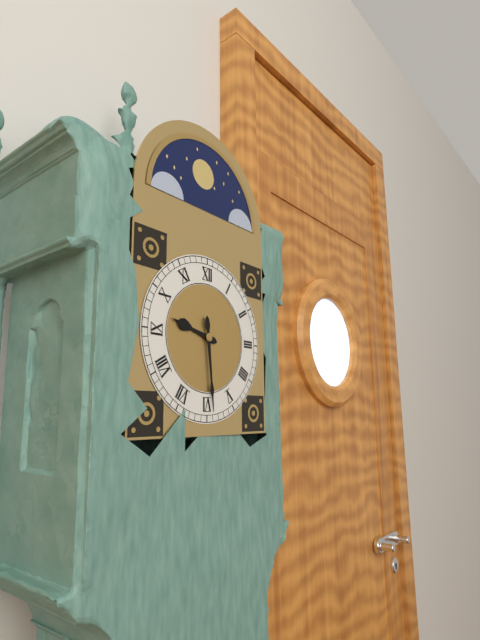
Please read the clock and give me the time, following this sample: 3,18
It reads 9,29
